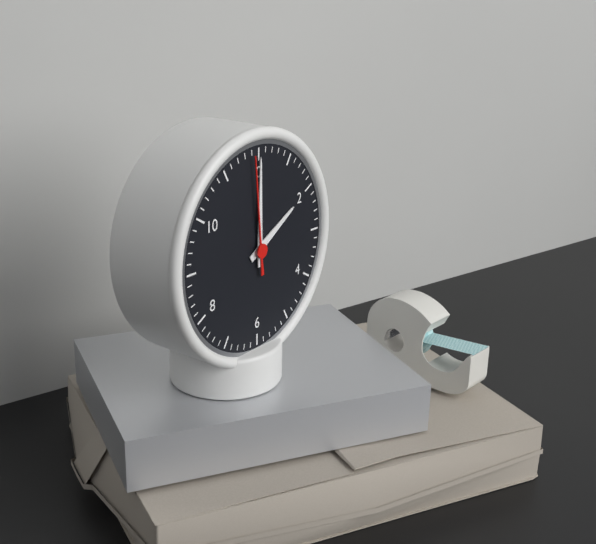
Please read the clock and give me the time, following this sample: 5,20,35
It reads 2,00,59
